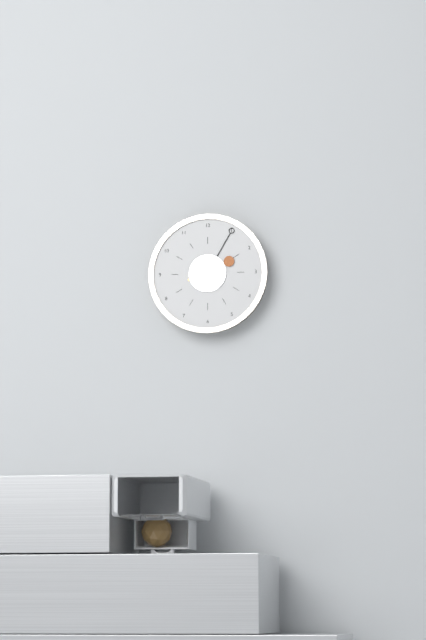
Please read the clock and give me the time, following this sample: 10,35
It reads 2,05
